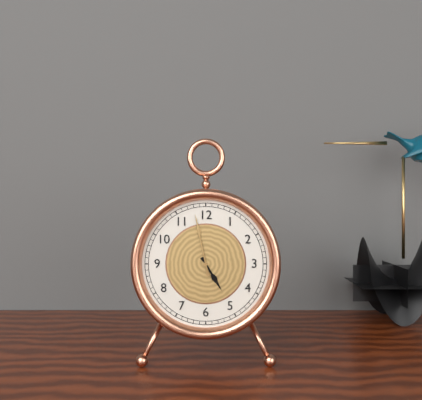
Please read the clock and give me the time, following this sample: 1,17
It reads 4,58
